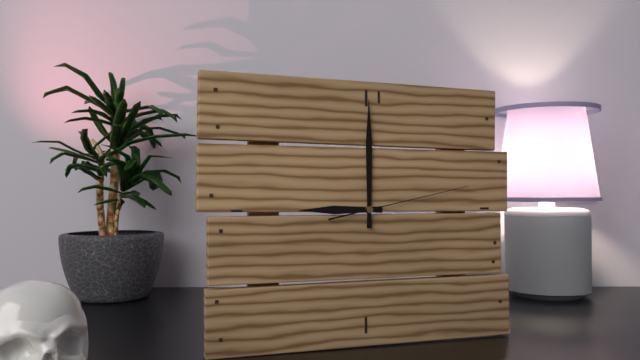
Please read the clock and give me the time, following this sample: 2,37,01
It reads 9,00,13
